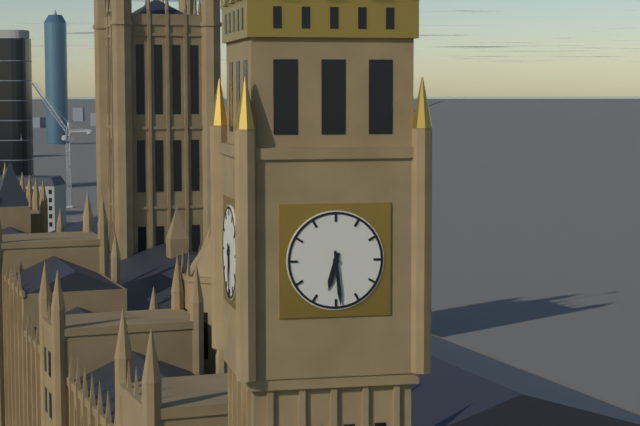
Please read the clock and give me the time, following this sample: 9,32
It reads 6,29
